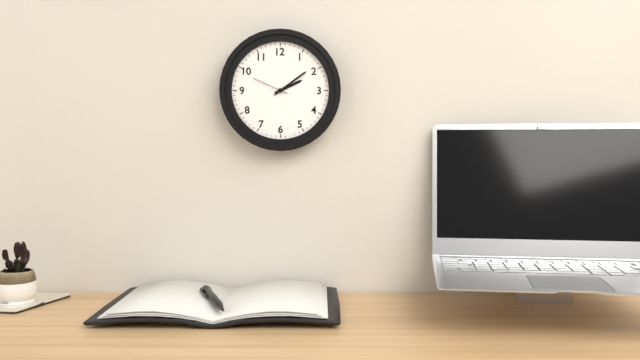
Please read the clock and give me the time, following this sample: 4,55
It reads 2,09
